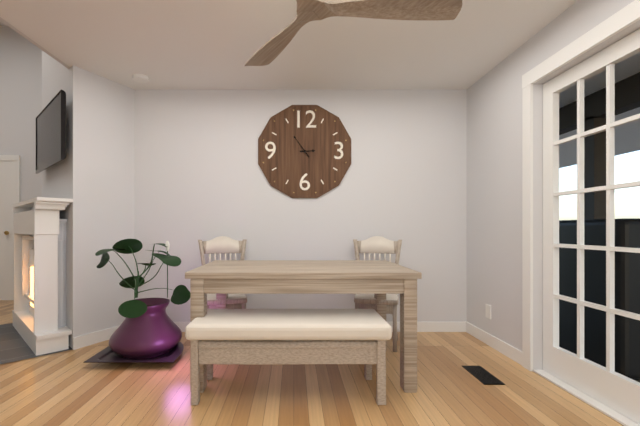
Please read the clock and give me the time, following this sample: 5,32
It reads 2,54
